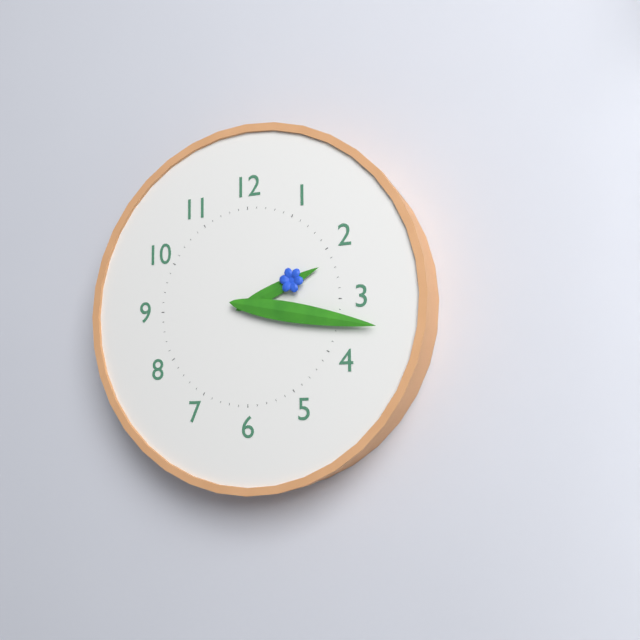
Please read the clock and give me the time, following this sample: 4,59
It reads 2,17
